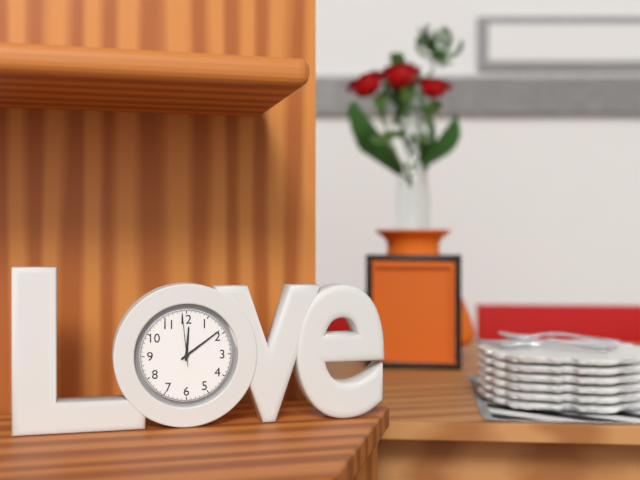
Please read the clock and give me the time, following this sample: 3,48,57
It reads 12,09,59
